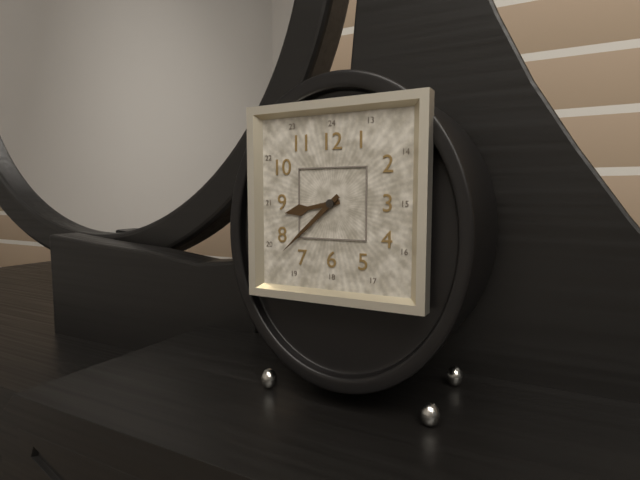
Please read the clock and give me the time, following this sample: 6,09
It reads 8,38
